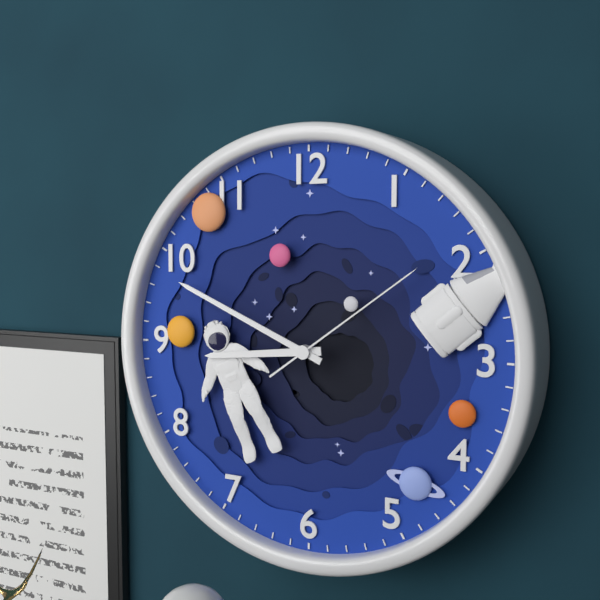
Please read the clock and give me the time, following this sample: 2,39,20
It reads 8,49,09
